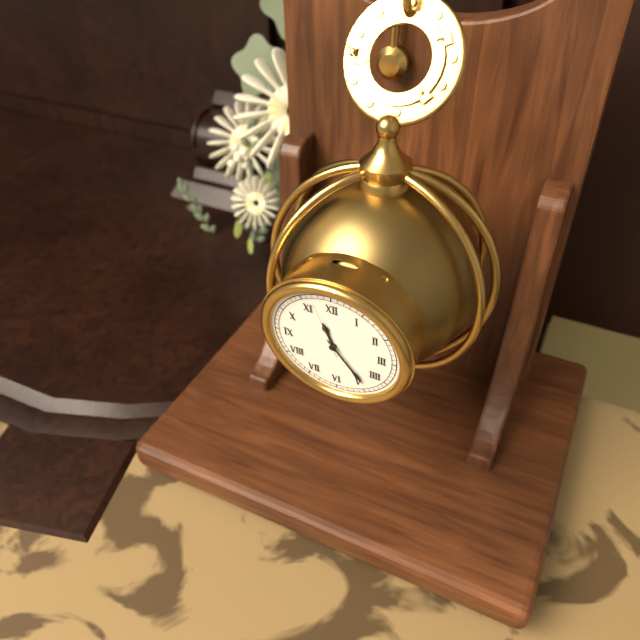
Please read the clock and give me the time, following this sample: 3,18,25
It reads 11,24,57
